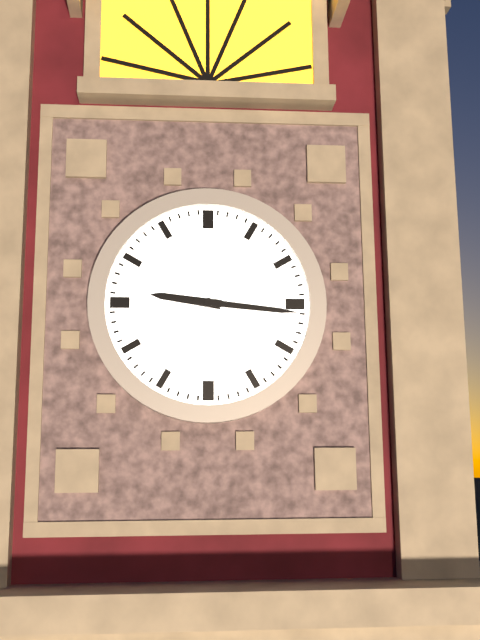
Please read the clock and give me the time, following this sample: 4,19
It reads 9,16
